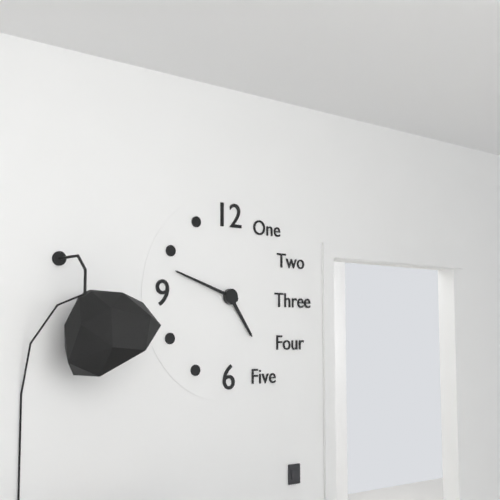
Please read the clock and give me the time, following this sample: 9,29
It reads 4,48
